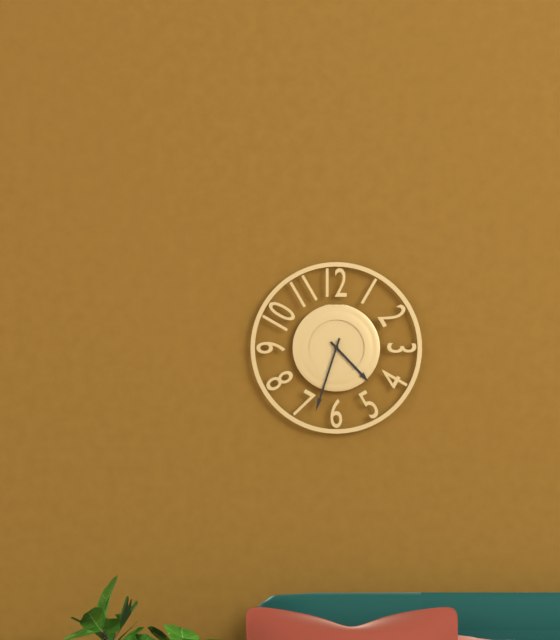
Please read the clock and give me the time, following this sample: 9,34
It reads 4,33
